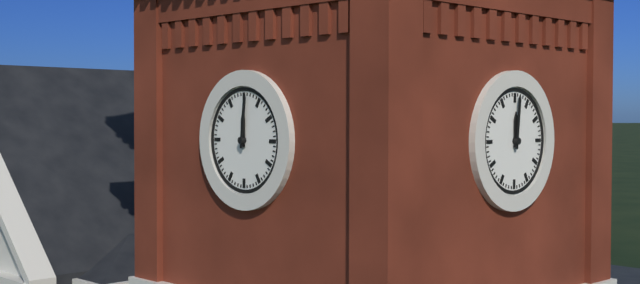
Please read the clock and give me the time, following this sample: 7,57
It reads 12,01
